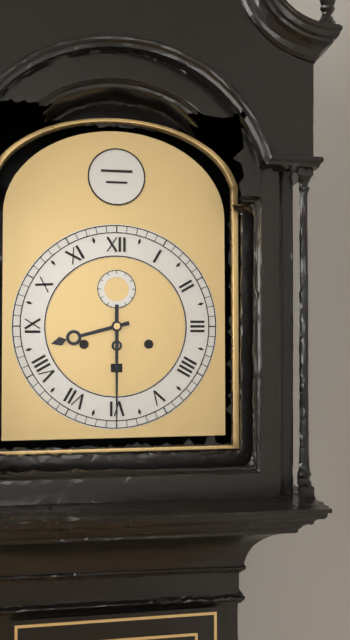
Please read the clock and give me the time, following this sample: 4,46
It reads 8,30
